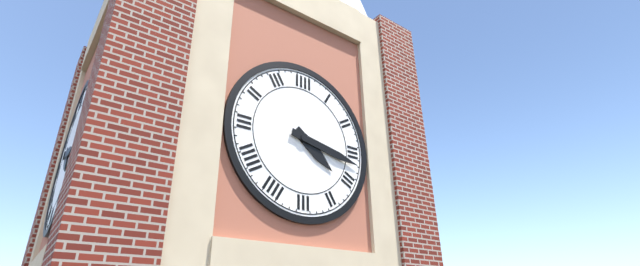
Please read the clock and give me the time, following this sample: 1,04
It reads 4,17
